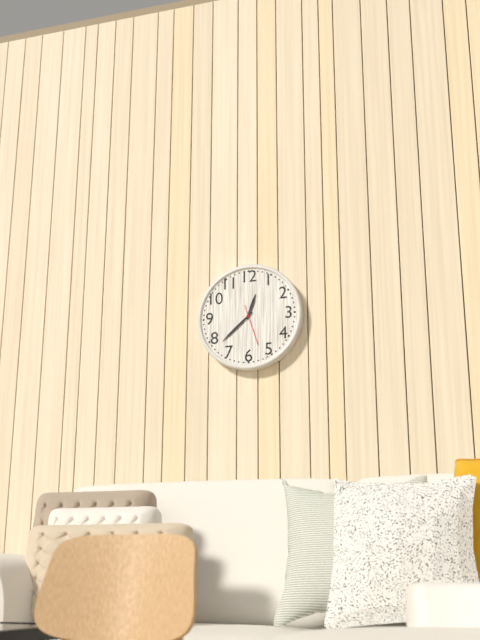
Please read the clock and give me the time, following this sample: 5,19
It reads 12,38
